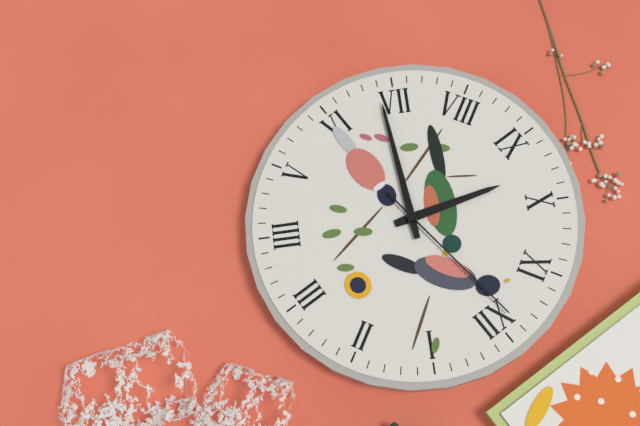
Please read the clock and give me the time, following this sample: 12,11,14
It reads 9,34,59
